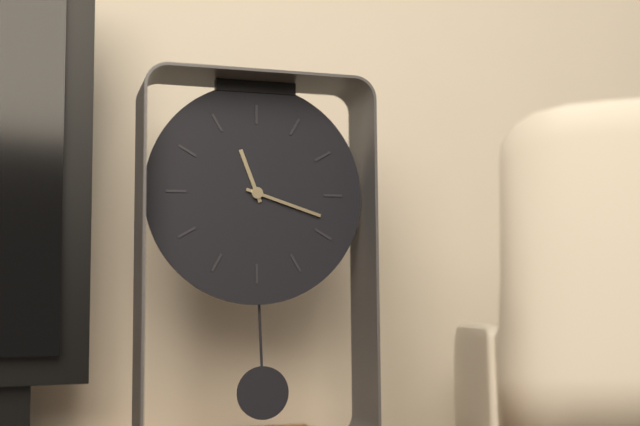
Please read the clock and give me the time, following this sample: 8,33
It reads 11,18
